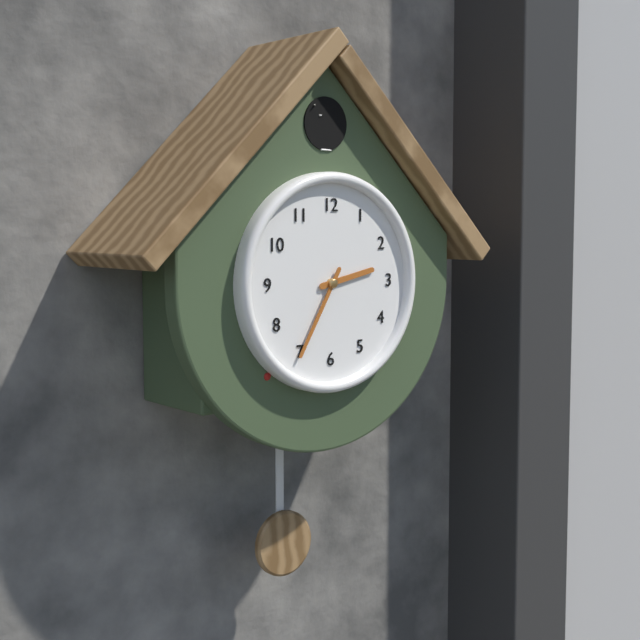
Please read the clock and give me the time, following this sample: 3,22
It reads 2,35
